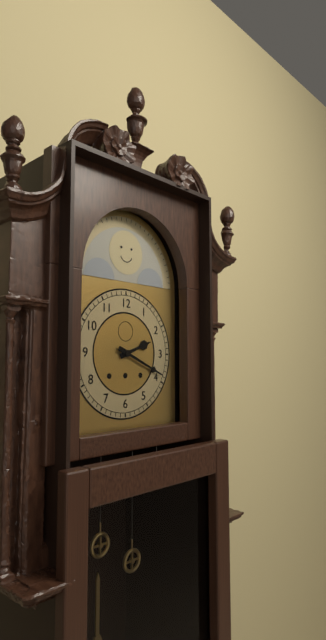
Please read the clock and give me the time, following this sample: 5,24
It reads 2,19
